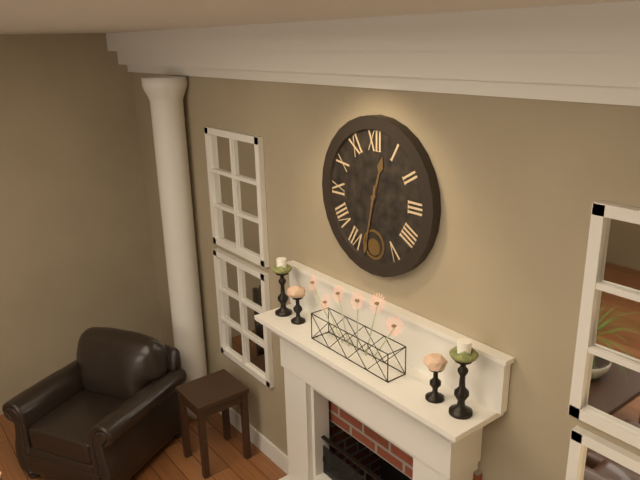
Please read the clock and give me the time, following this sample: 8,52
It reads 12,32
